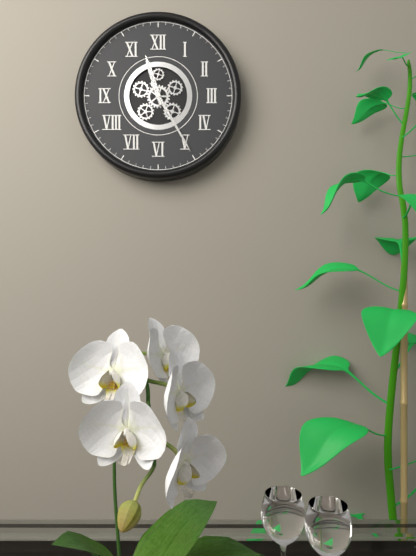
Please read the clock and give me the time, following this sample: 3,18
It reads 11,25
